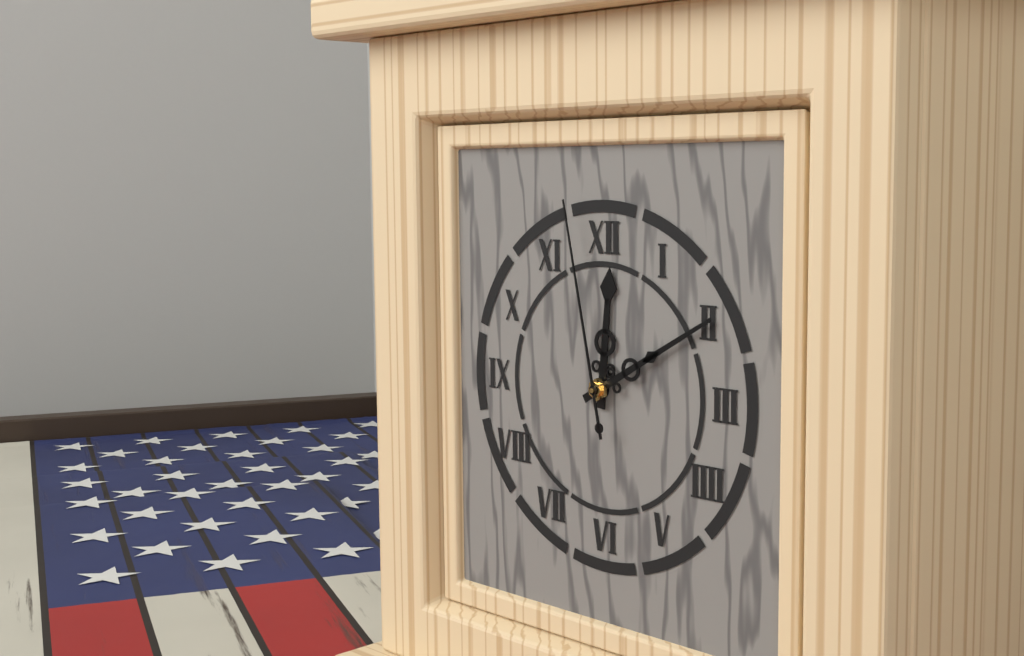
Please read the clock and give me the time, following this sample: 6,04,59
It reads 12,10,58
